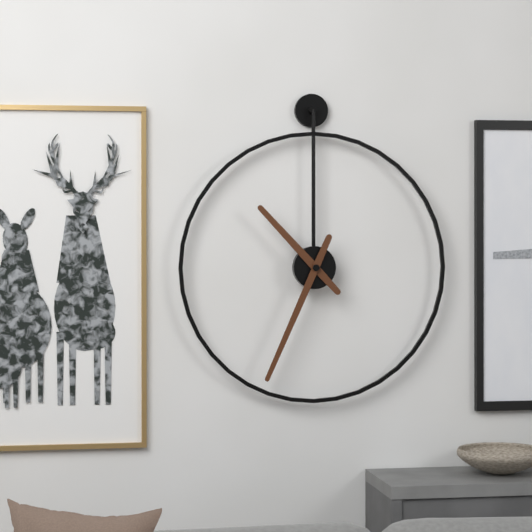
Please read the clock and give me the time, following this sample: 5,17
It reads 10,34
